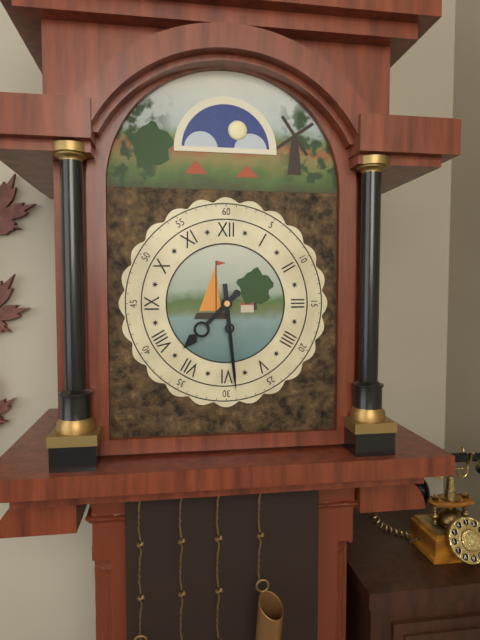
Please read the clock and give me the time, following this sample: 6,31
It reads 7,29
